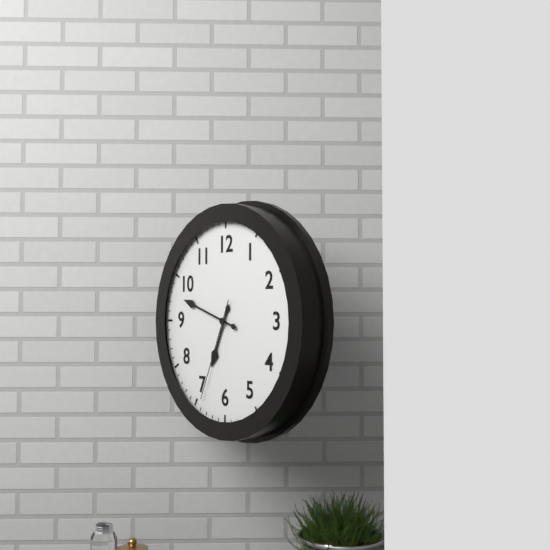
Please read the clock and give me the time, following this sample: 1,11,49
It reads 6,48,34
